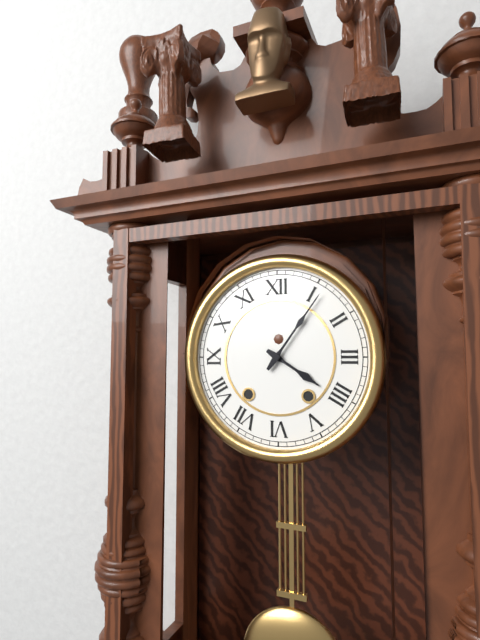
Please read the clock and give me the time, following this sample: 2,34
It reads 4,06
